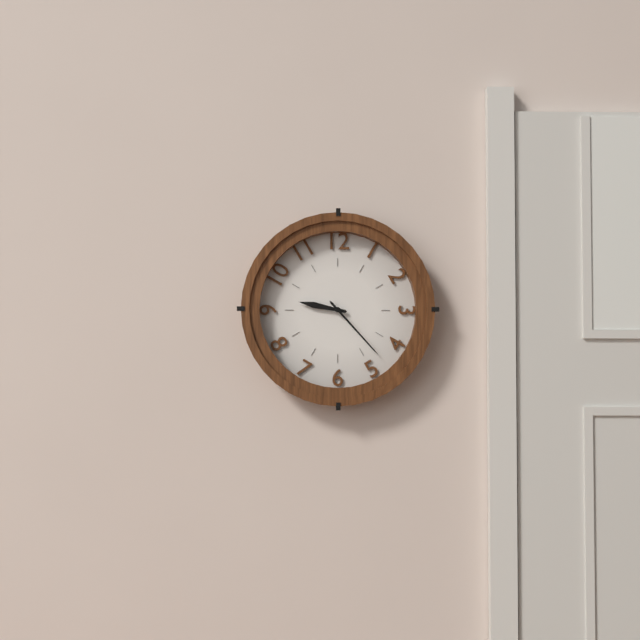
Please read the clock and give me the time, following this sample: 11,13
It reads 9,23
